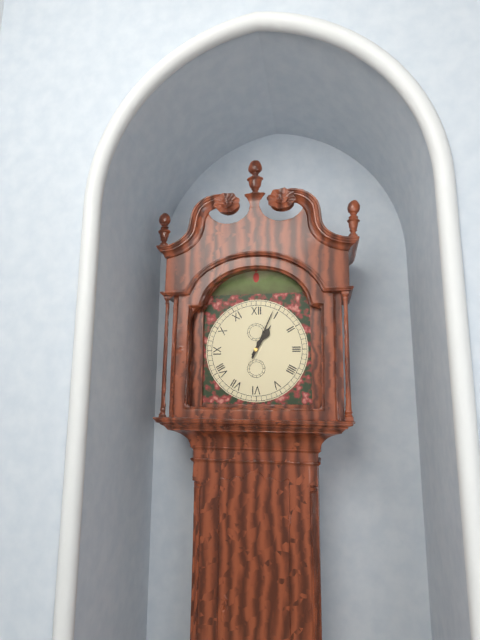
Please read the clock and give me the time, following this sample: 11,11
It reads 1,04
